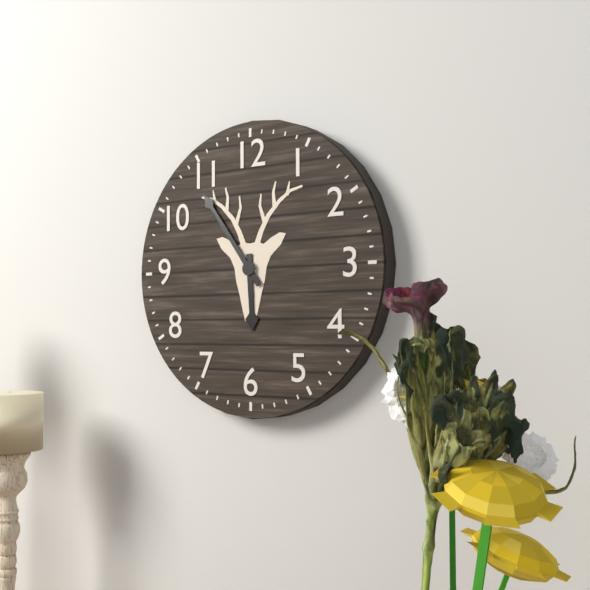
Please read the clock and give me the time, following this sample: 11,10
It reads 5,54
